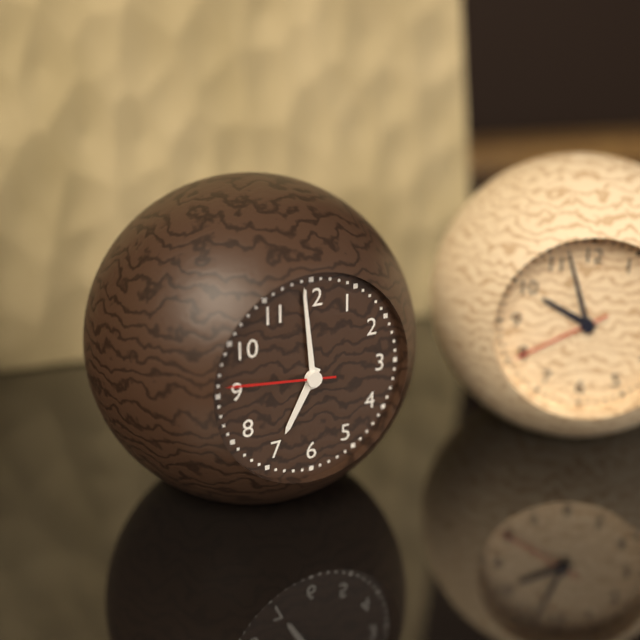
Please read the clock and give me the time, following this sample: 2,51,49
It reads 6,59,46
